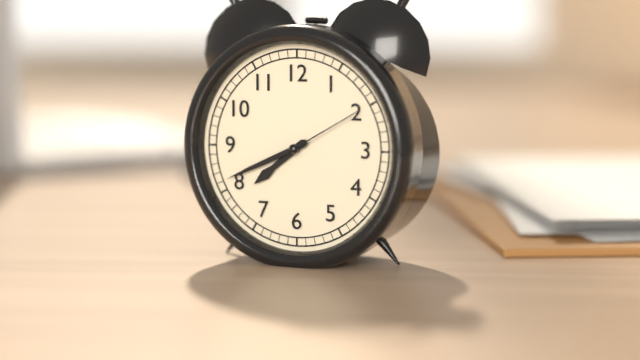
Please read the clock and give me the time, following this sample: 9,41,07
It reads 7,41,10
